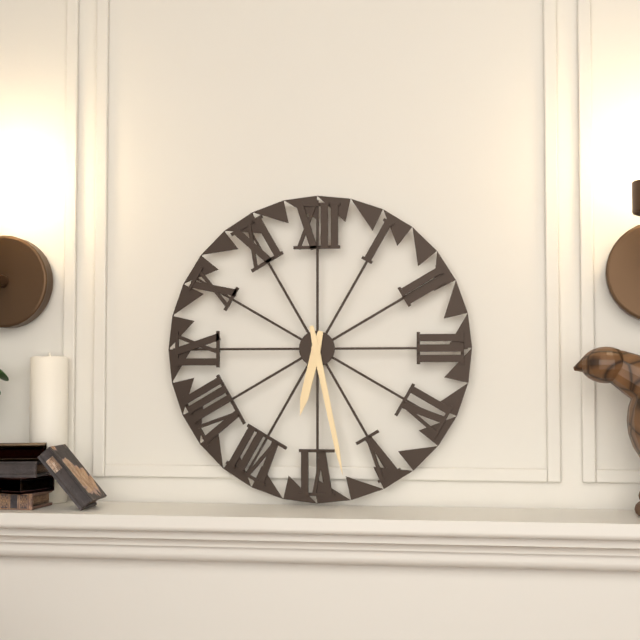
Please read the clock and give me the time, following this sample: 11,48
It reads 6,28
